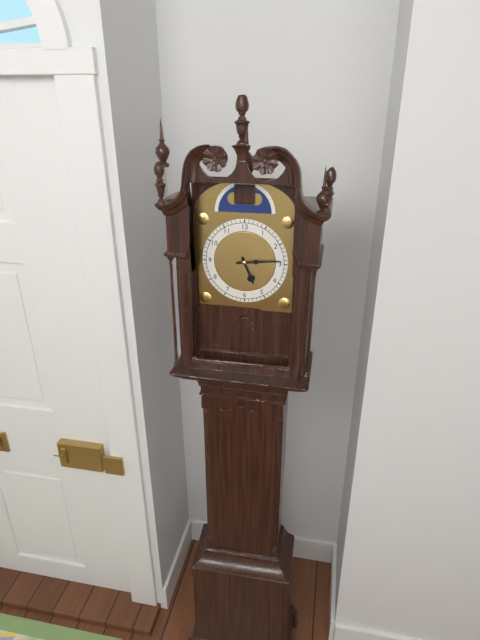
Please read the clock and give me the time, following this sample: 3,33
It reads 5,14
